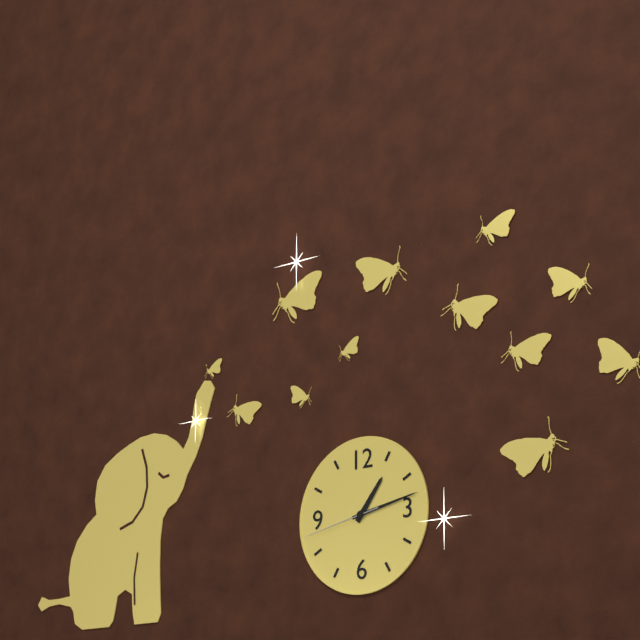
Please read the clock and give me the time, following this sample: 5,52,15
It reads 1,13,43
